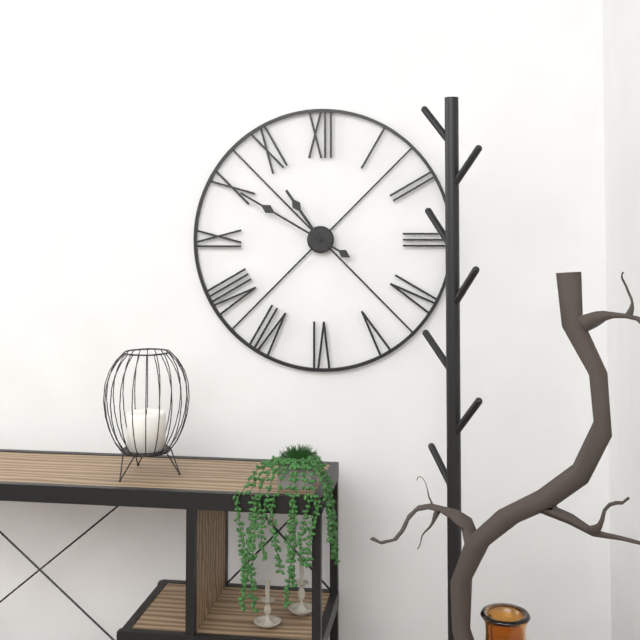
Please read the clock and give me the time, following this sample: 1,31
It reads 10,50
